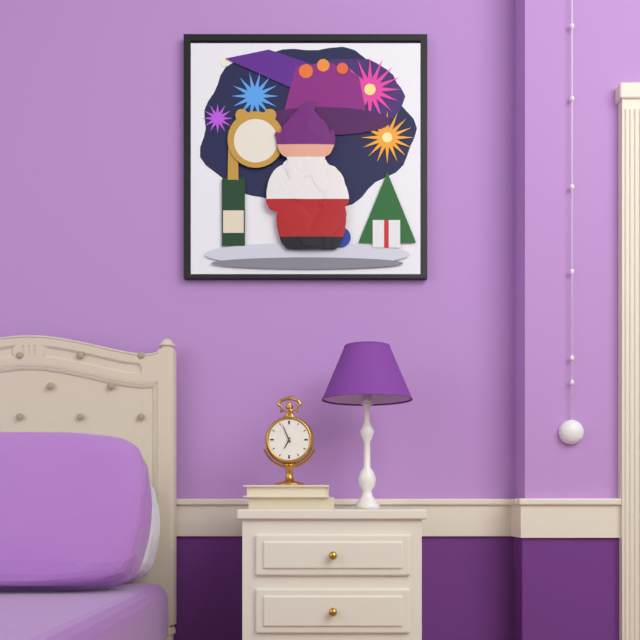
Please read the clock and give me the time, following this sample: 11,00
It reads 6,56
